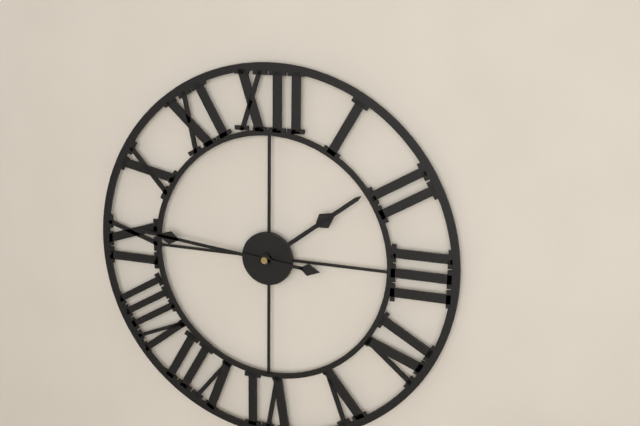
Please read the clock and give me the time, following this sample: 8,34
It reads 1,46
